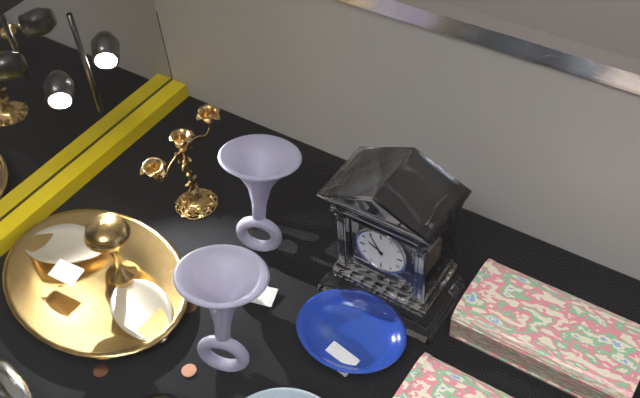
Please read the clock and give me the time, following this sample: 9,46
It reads 9,55
